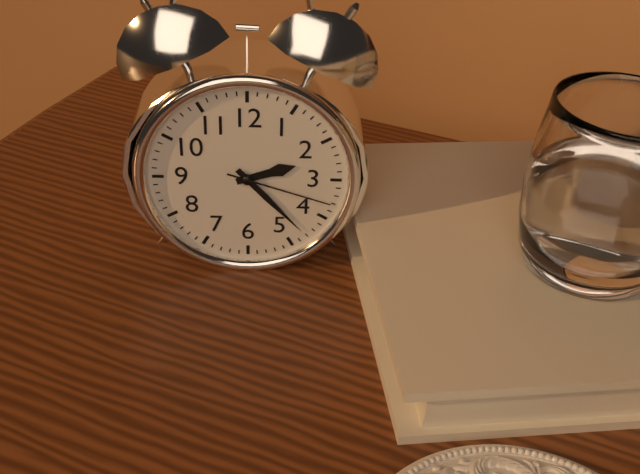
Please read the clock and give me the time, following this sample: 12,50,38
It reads 2,23,18
